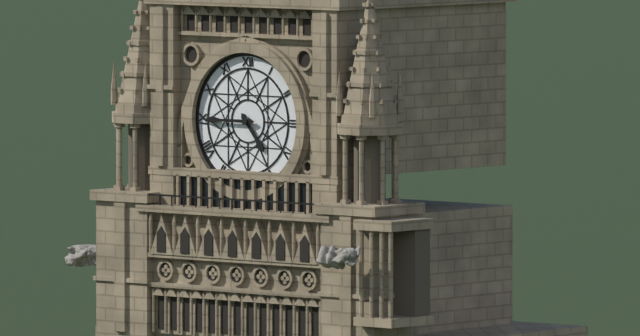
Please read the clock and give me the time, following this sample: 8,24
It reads 4,45
